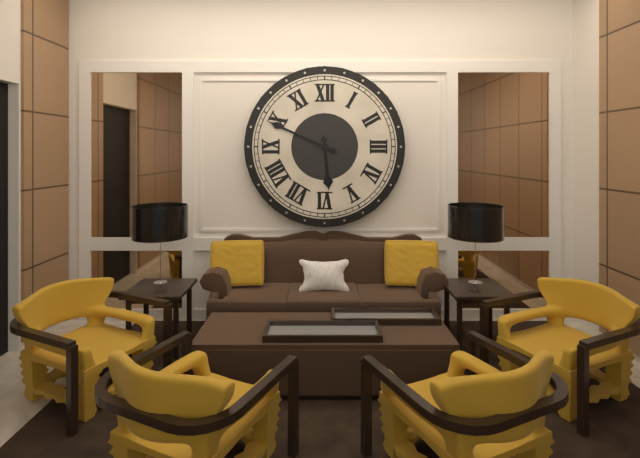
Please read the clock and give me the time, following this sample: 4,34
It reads 5,49
